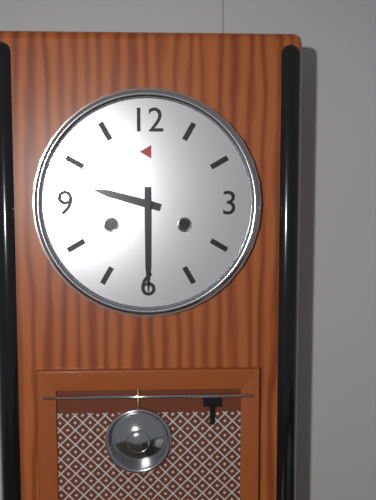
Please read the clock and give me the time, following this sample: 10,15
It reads 9,30
